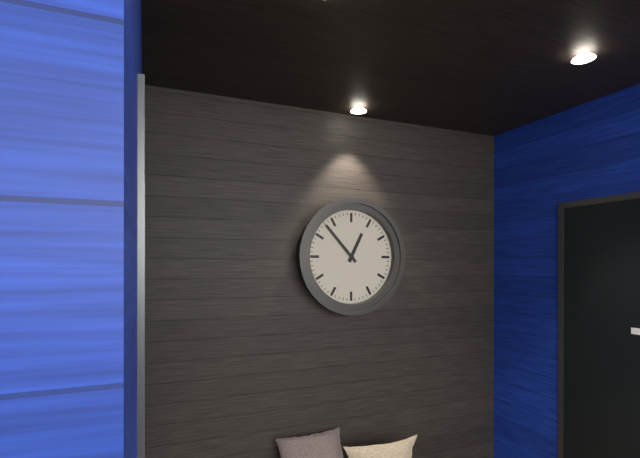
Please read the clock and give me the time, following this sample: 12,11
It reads 12,53
